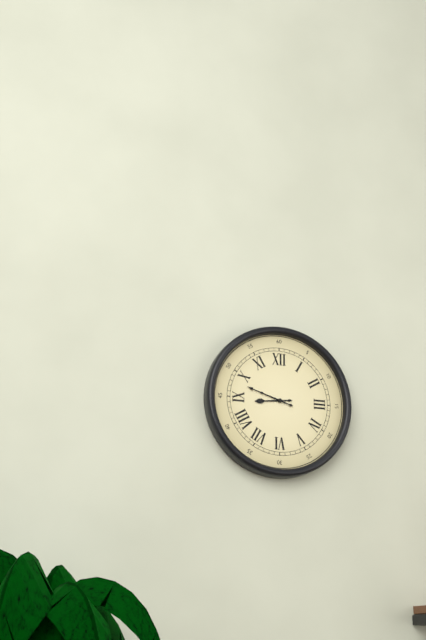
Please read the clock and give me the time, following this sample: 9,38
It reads 8,48
